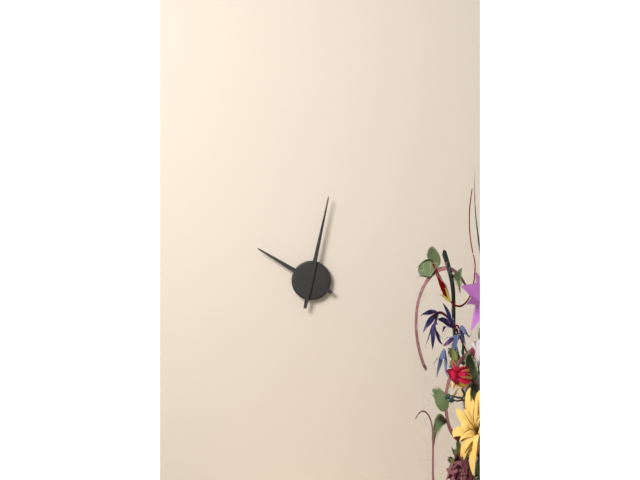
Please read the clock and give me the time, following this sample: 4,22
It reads 10,02
